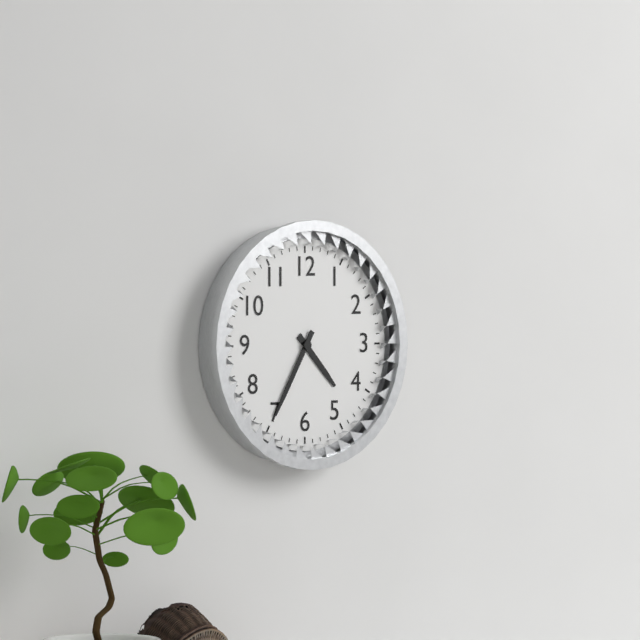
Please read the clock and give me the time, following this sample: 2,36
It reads 4,35
